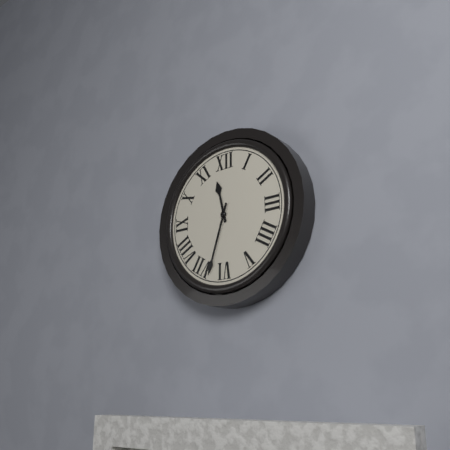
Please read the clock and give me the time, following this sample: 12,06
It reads 11,33
